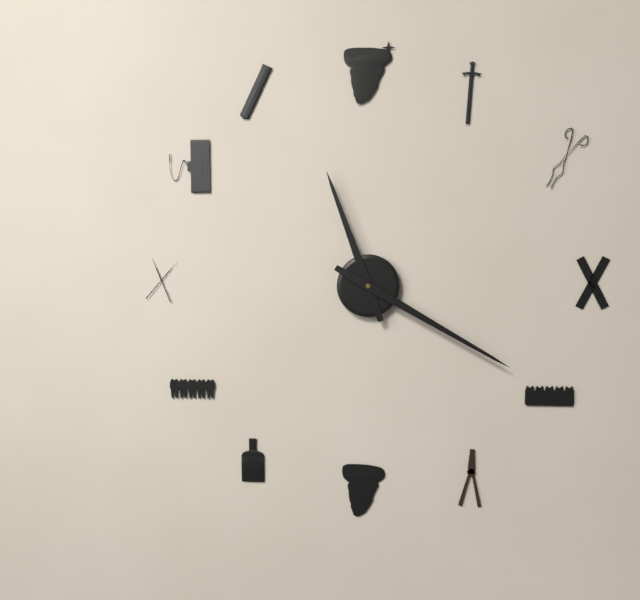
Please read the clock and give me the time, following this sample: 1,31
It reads 11,20
